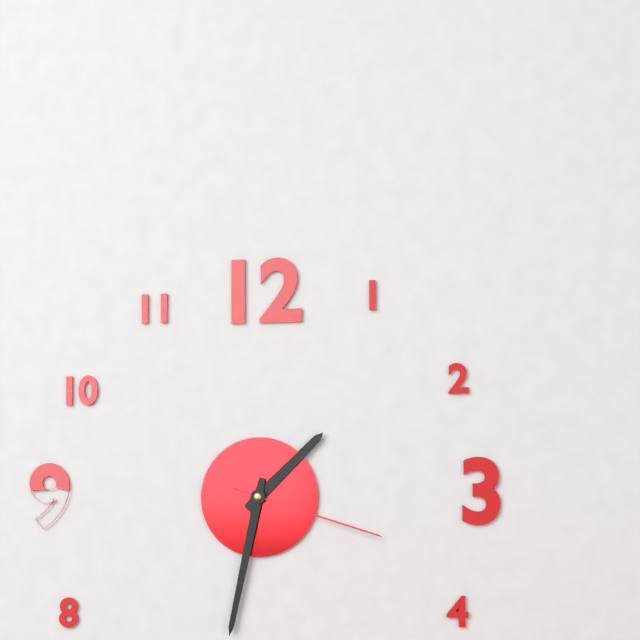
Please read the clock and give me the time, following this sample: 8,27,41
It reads 1,32,18
